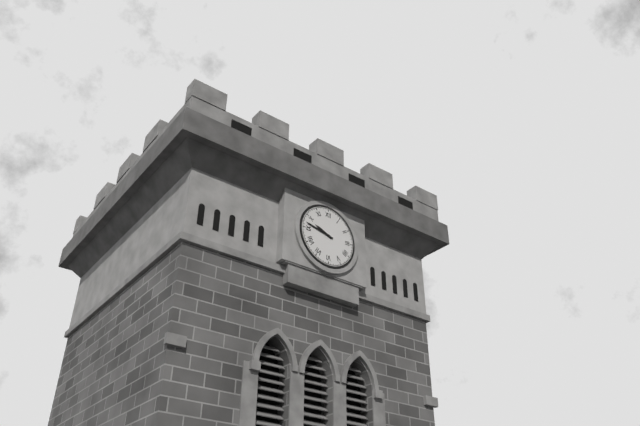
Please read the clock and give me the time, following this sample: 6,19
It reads 9,47
